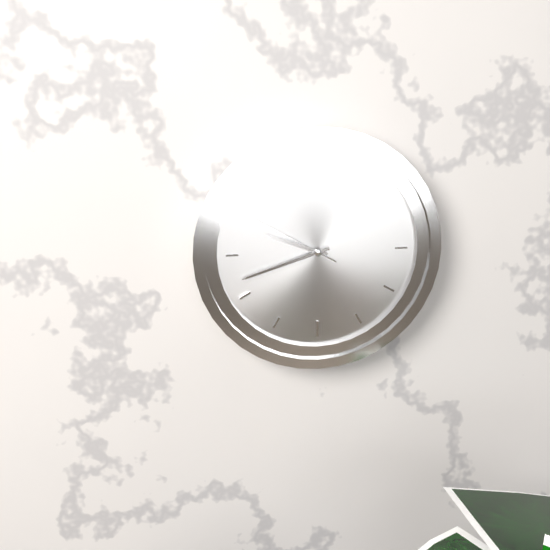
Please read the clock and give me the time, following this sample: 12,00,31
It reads 9,42,50
